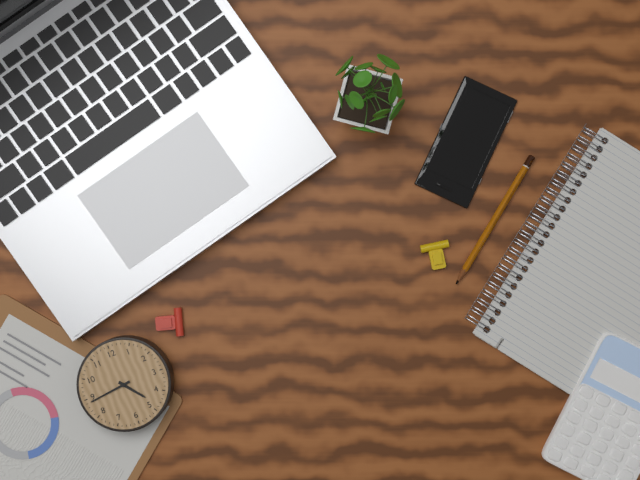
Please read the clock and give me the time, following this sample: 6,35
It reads 4,44
